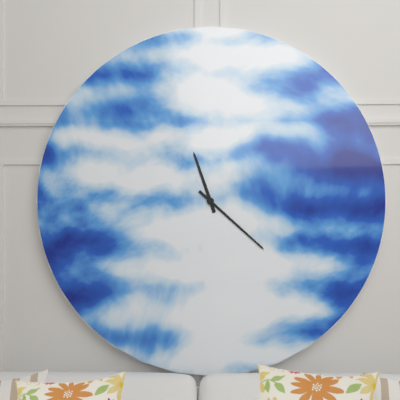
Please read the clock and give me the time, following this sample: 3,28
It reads 11,22
